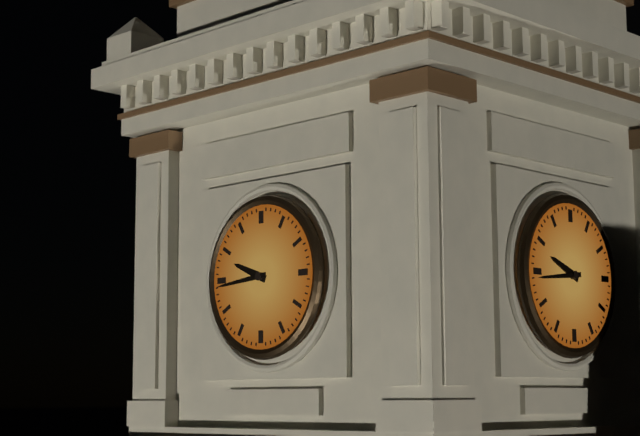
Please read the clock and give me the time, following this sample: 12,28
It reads 9,44
